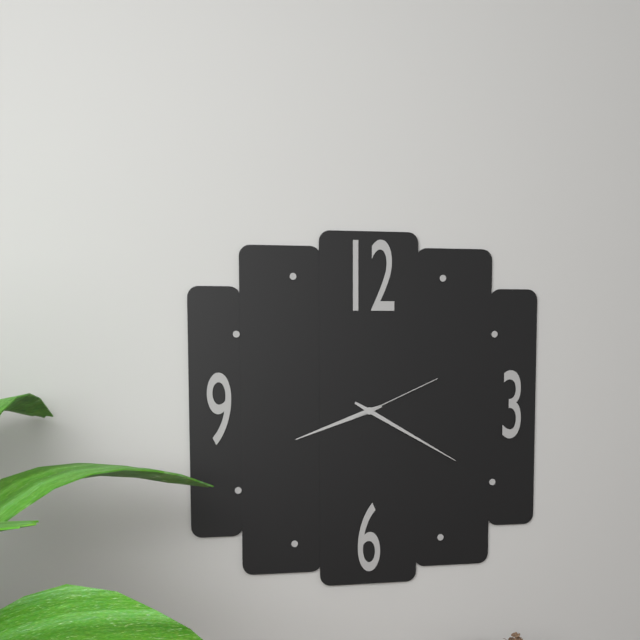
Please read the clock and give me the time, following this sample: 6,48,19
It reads 8,20,11
